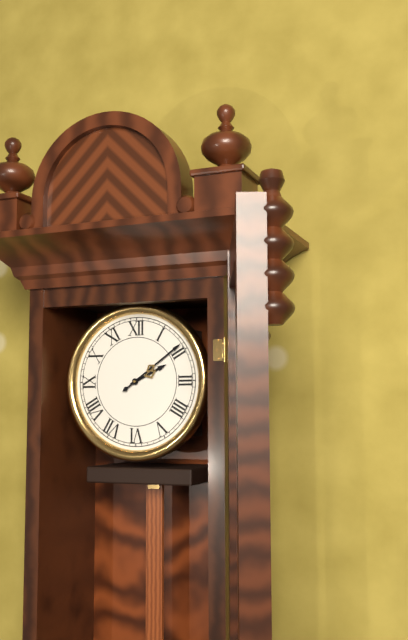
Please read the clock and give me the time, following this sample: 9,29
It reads 2,09
